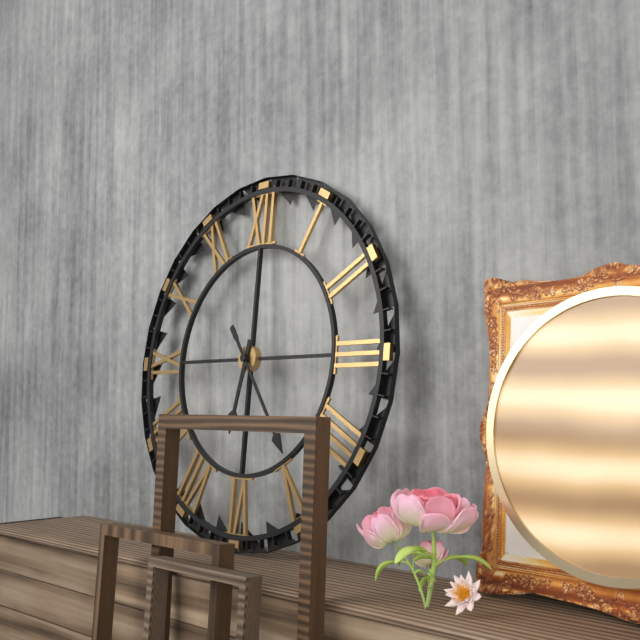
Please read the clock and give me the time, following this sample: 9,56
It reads 6,24
